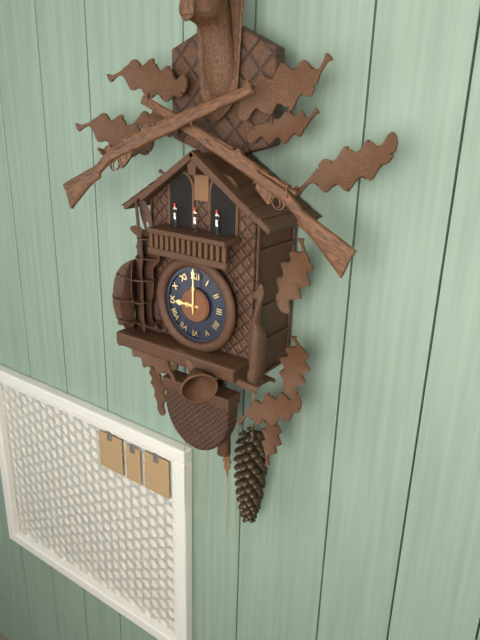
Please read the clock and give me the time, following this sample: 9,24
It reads 9,00
